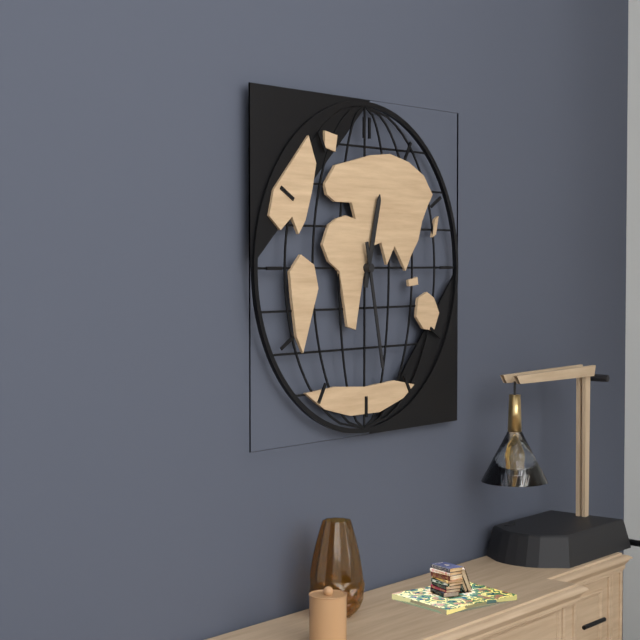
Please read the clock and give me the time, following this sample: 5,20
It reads 12,28
